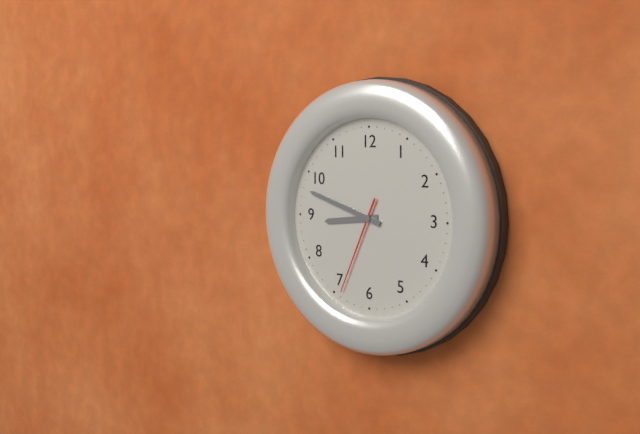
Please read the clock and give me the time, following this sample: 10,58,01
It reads 8,48,34
